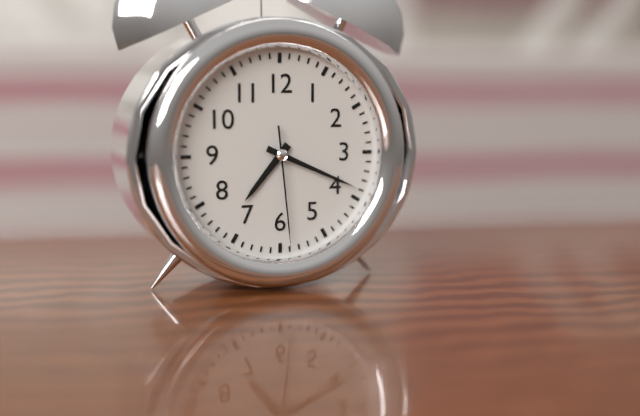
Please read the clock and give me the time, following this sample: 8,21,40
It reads 7,19,29
